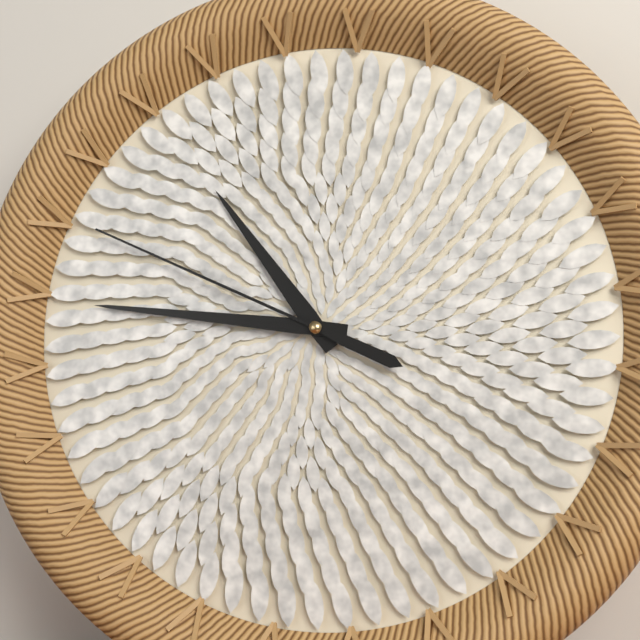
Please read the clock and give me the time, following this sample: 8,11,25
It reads 10,46,49
